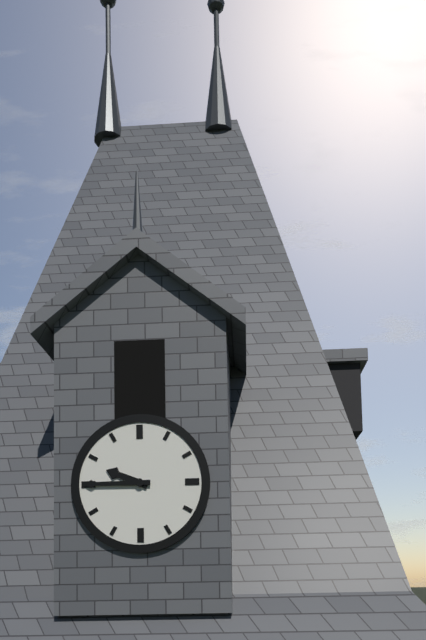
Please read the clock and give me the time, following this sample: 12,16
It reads 9,45
